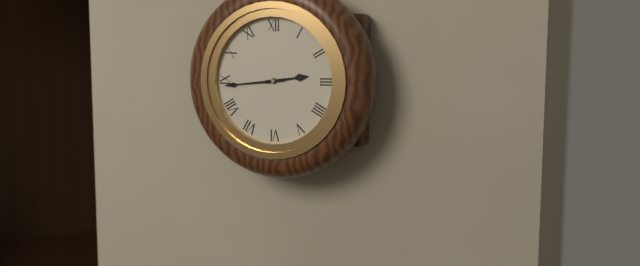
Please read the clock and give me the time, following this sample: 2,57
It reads 2,44
